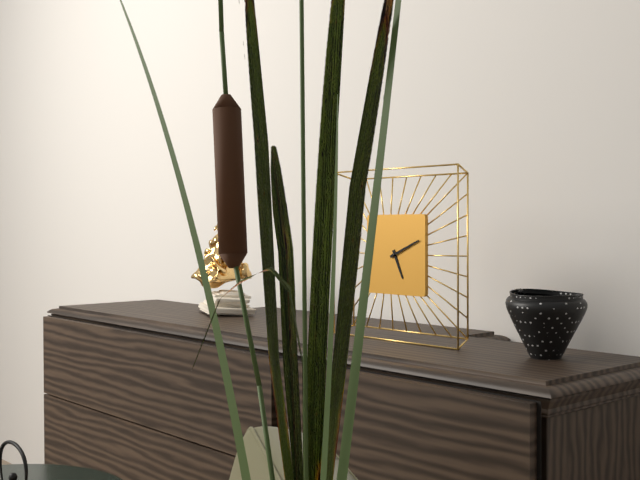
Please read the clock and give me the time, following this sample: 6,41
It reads 5,11
